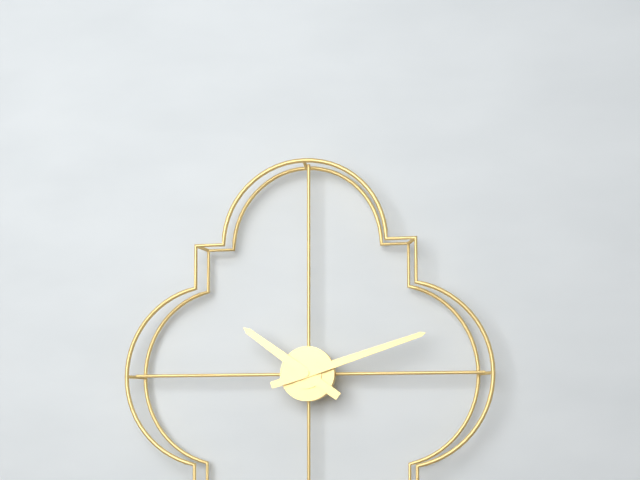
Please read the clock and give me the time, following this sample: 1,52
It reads 10,12
